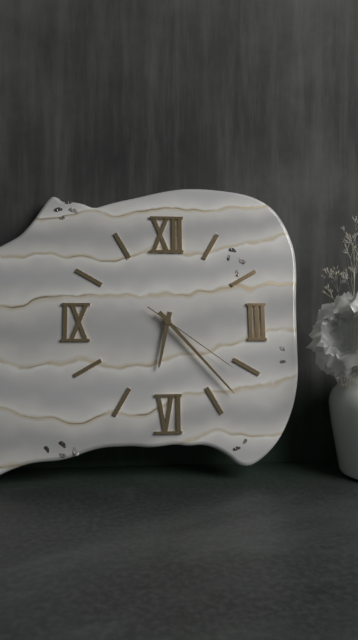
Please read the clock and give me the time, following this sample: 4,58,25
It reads 6,23,21
